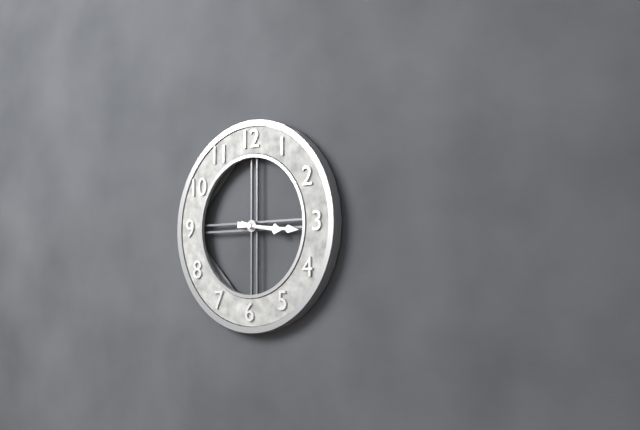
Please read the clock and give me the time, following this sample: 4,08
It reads 3,16
